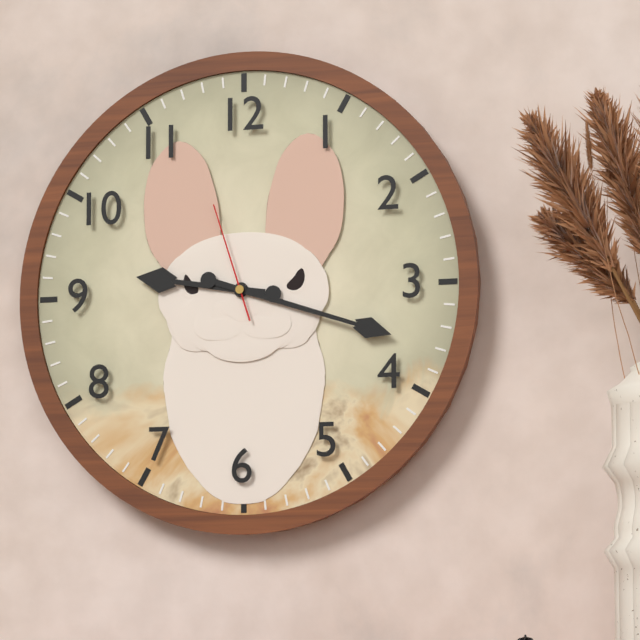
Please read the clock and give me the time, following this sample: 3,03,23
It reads 9,18,57
